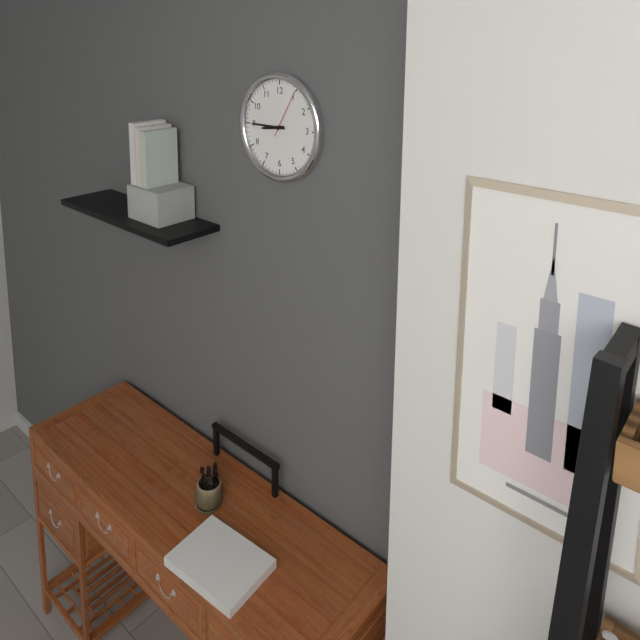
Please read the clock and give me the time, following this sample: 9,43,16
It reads 8,45,05
